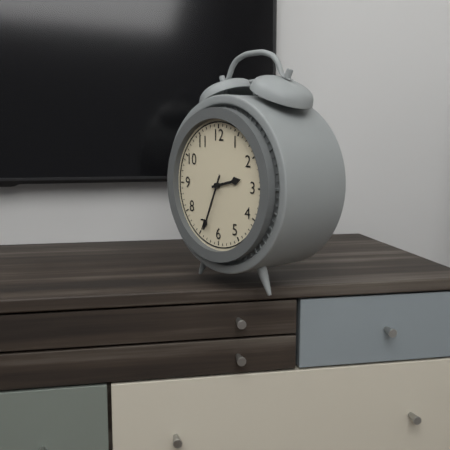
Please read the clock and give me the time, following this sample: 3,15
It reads 2,34
